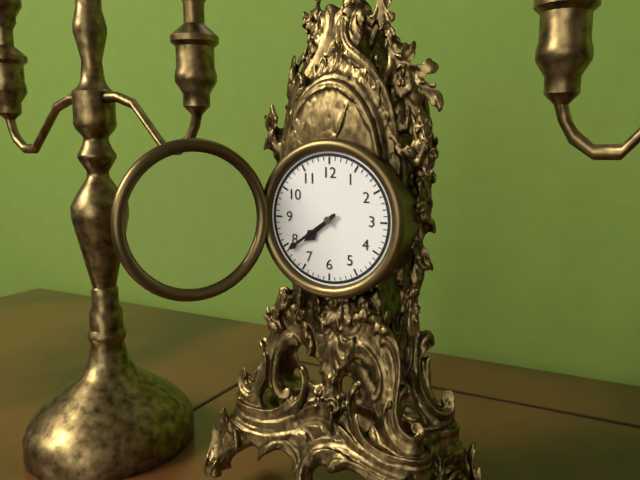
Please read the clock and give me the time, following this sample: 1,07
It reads 7,39
